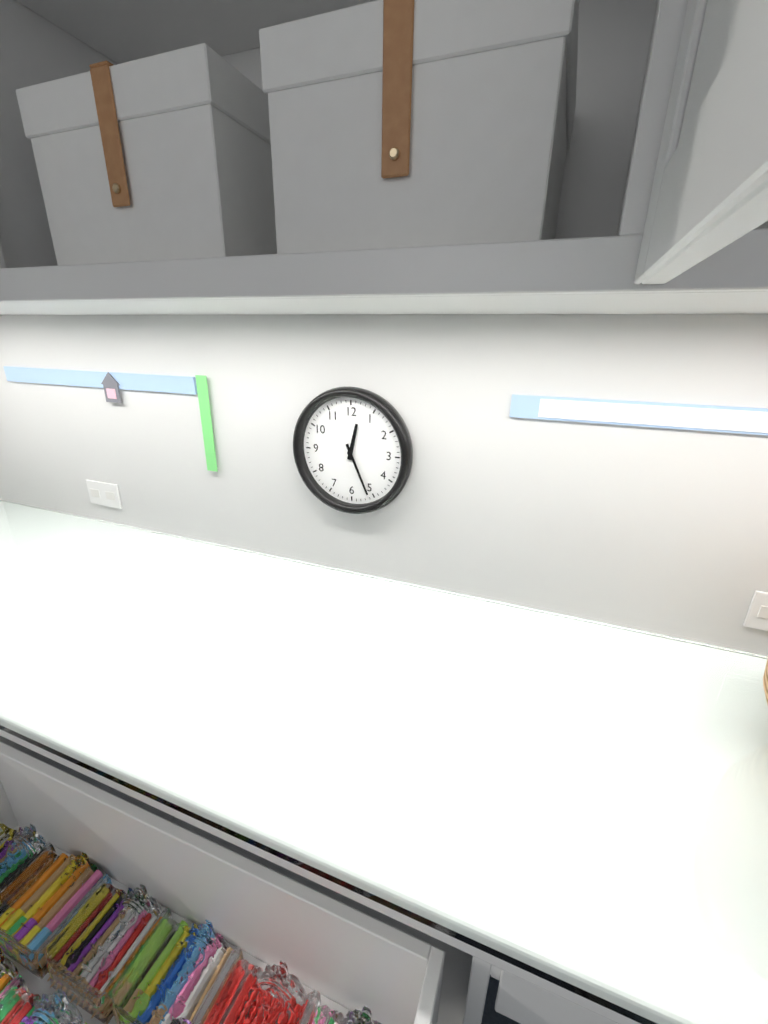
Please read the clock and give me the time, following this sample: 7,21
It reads 12,26
